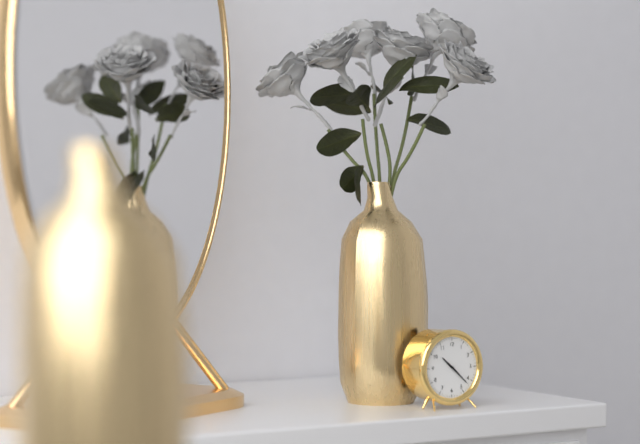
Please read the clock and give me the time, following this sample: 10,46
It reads 10,22
